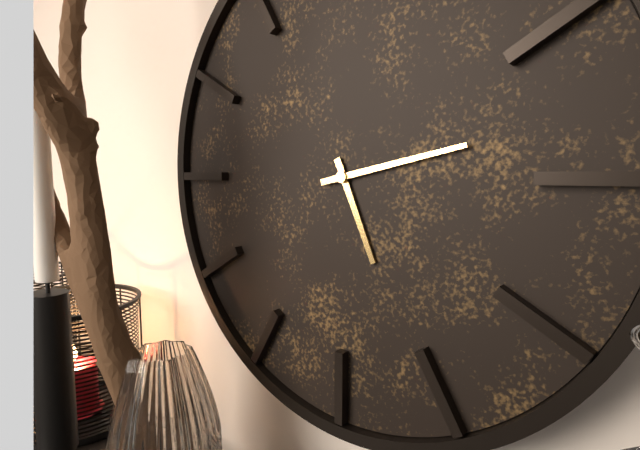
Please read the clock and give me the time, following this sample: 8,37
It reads 5,13
